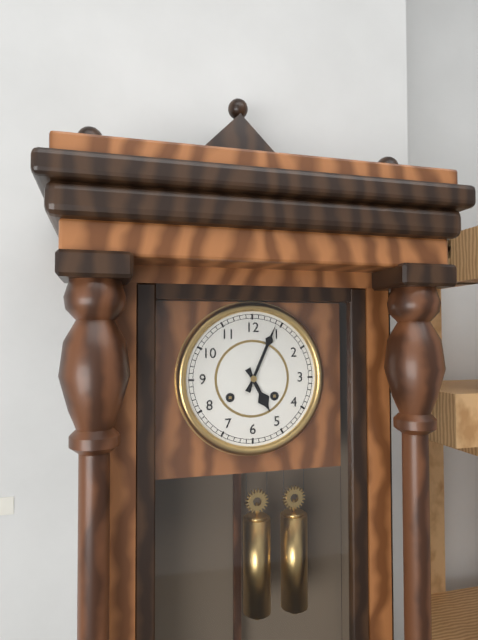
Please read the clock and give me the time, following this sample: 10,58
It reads 5,04
